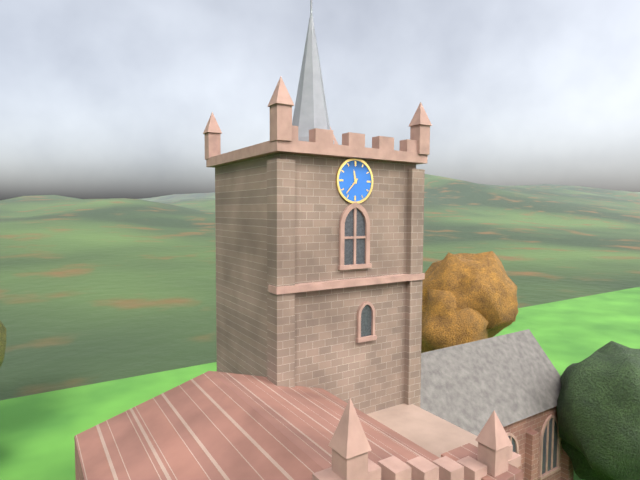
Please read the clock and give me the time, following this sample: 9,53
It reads 11,37
